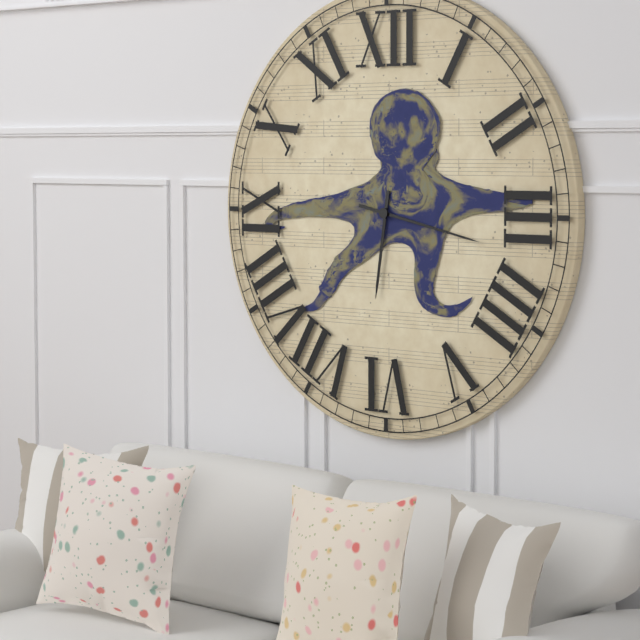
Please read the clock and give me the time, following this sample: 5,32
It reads 6,17
